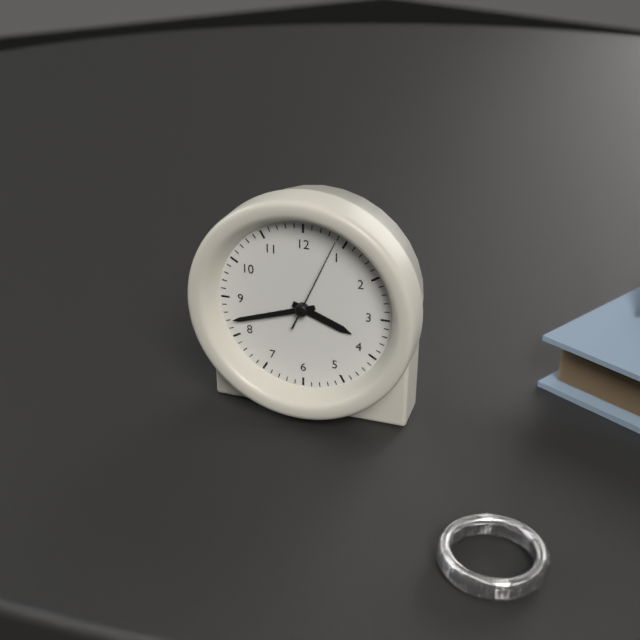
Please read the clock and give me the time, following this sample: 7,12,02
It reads 3,42,04
